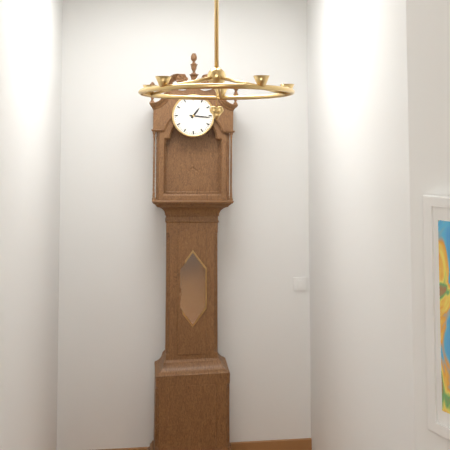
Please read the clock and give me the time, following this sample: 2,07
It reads 1,16
